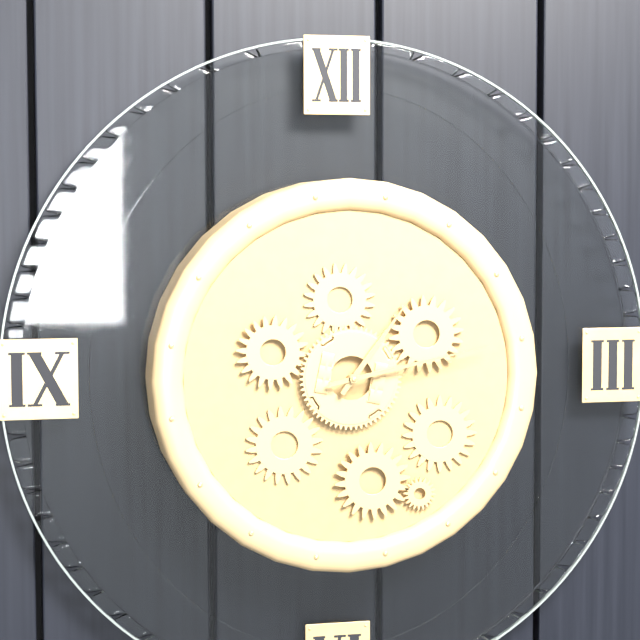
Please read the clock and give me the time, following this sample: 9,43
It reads 1,13
